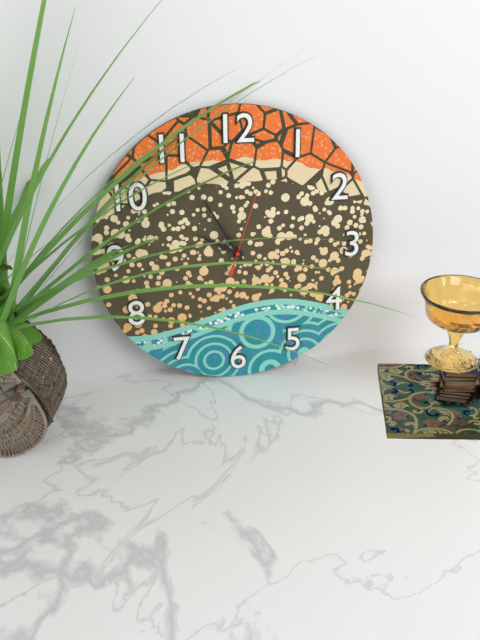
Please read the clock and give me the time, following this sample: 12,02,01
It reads 9,55,03
